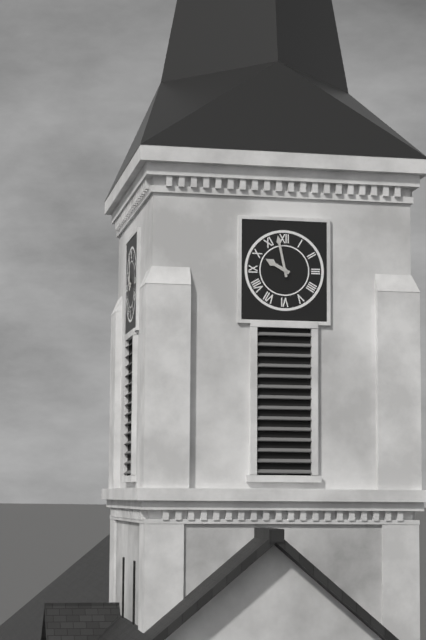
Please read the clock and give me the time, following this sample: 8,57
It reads 9,58
